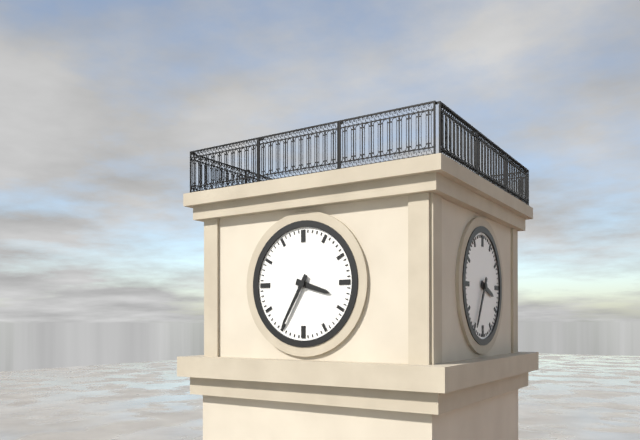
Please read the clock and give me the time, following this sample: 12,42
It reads 3,35
